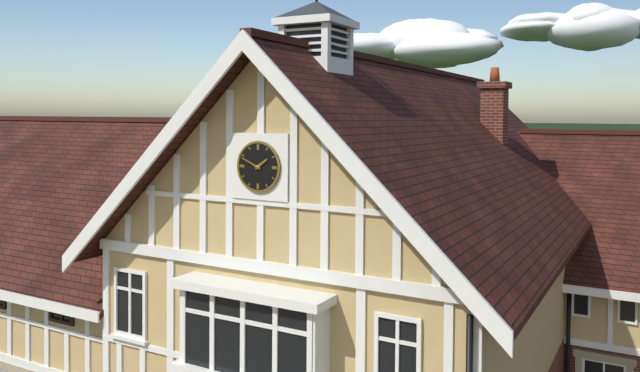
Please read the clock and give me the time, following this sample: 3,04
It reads 1,49
